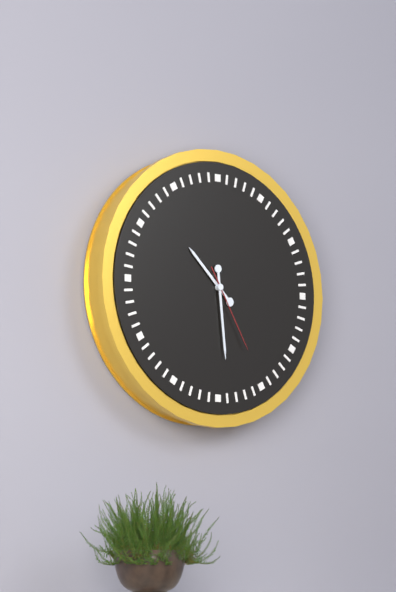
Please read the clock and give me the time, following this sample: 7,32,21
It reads 10,29,25
